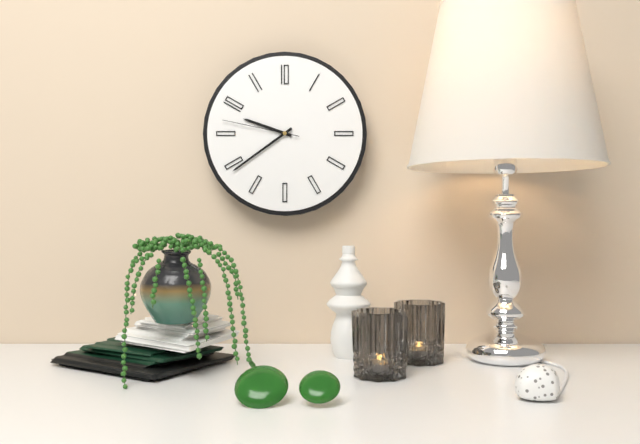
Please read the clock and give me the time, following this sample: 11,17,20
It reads 9,39,47
